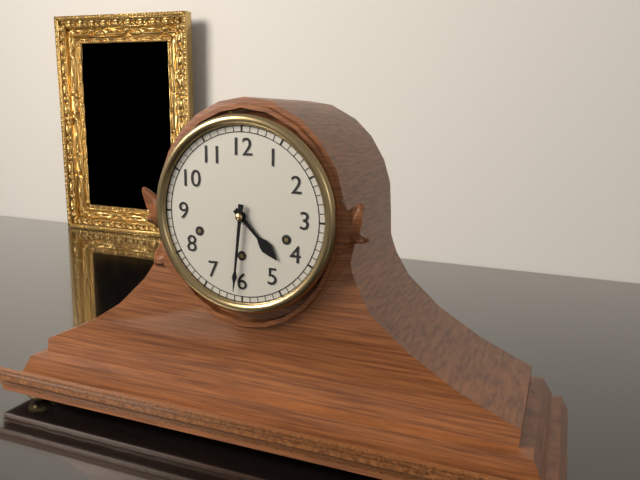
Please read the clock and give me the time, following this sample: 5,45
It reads 4,31
